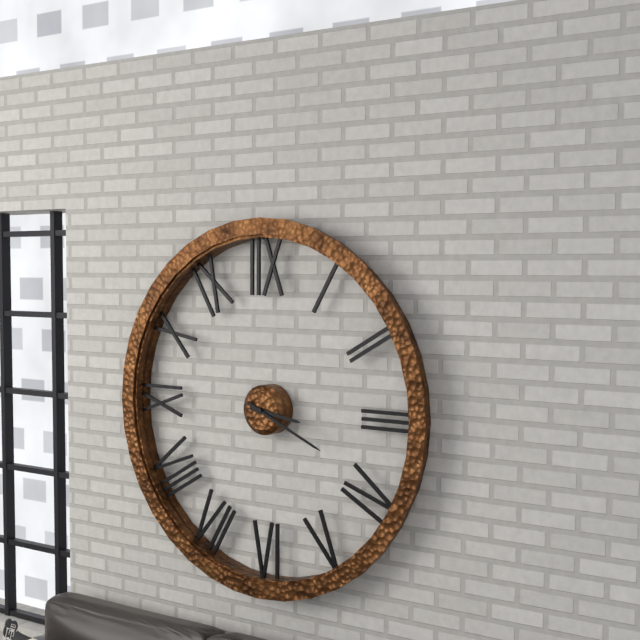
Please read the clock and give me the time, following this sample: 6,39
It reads 3,19
